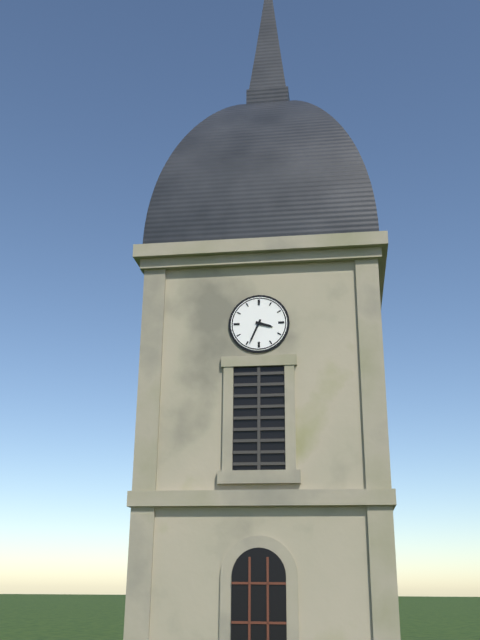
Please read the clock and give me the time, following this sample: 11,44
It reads 3,34
